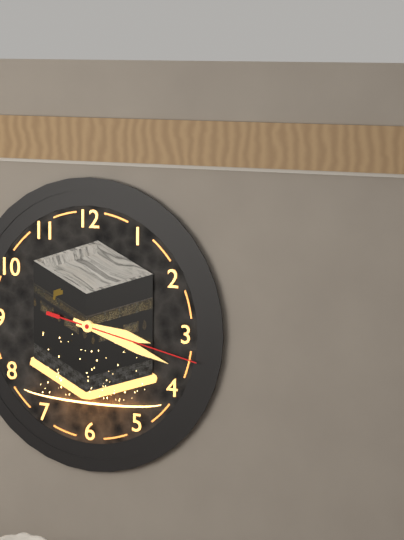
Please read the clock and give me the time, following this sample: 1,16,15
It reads 3,18,17
